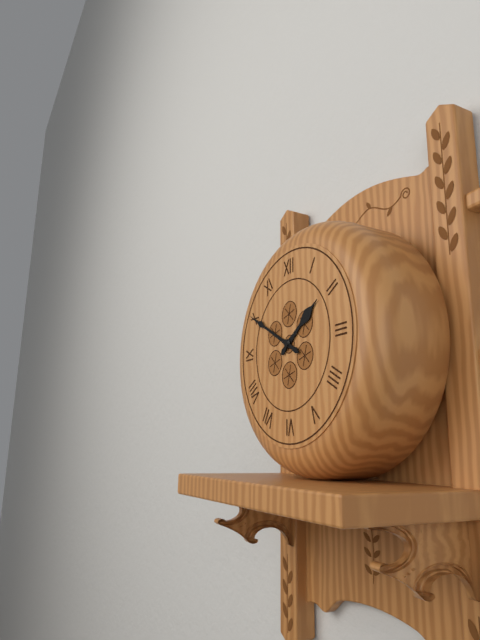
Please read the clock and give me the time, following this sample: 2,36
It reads 1,50
